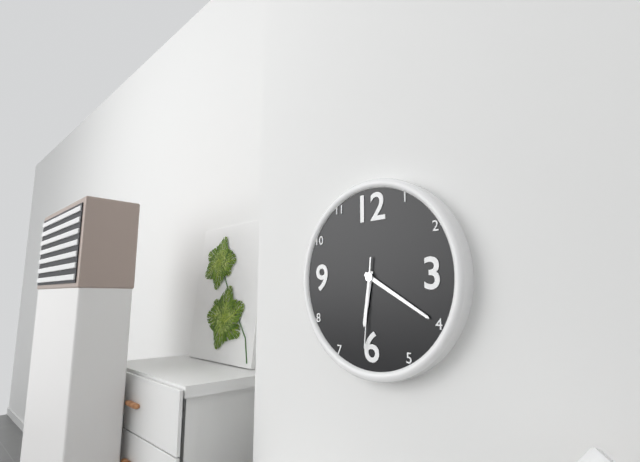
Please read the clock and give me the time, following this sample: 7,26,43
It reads 6,20,31
